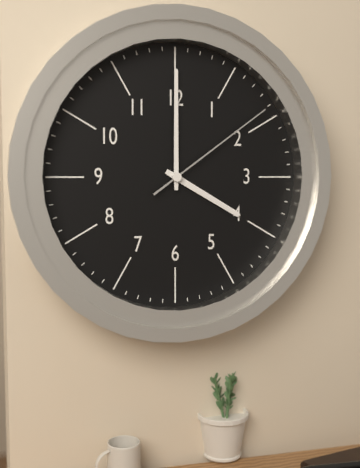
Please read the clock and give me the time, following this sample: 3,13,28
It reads 4,00,09
